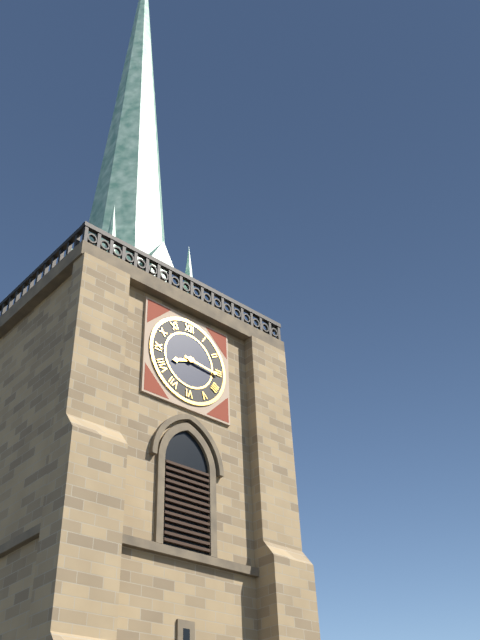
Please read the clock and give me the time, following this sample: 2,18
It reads 8,16
